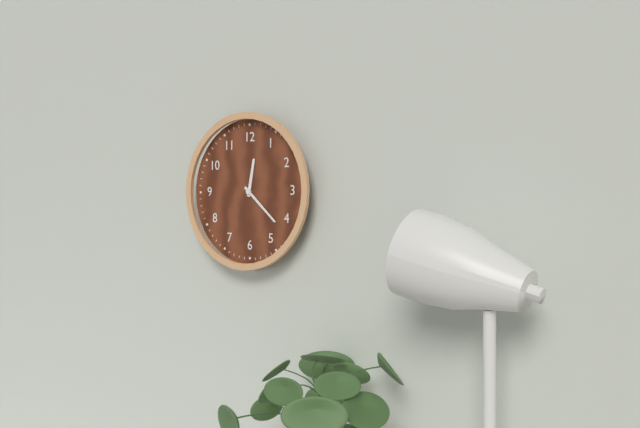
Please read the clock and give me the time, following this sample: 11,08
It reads 12,22
